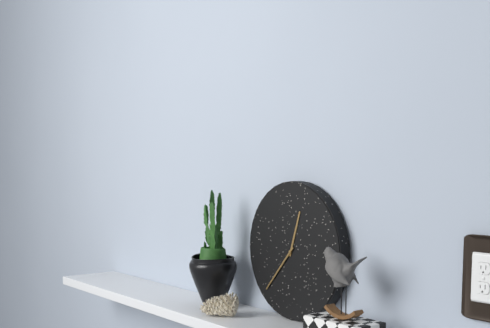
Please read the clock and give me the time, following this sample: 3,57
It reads 12,37
